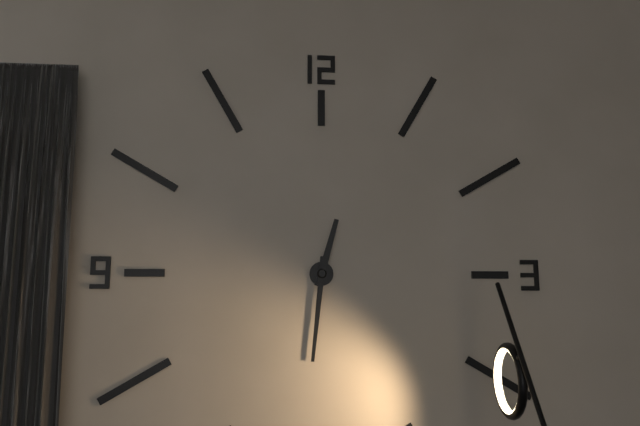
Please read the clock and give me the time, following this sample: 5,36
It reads 12,31
